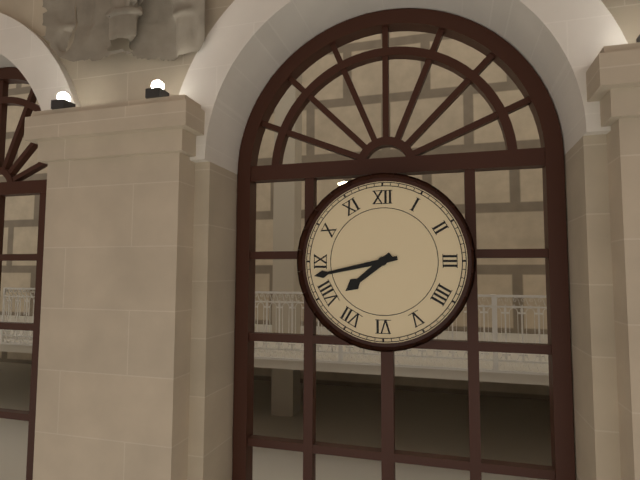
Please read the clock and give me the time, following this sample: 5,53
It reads 7,43
